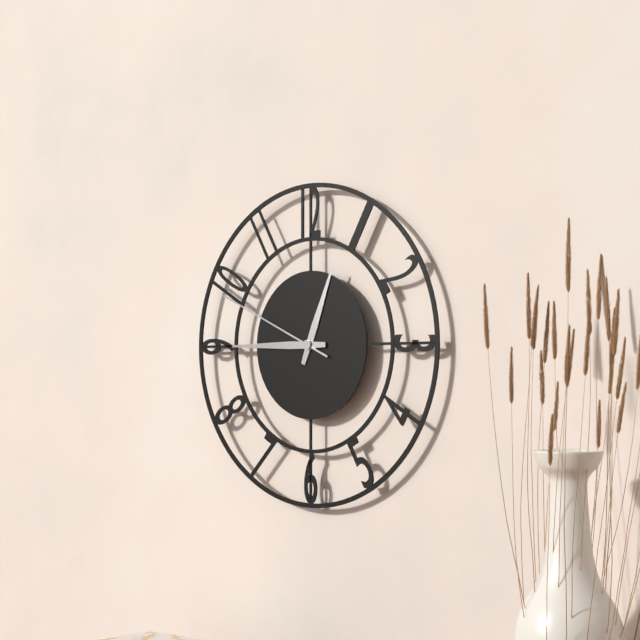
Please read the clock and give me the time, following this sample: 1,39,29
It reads 12,45,49
